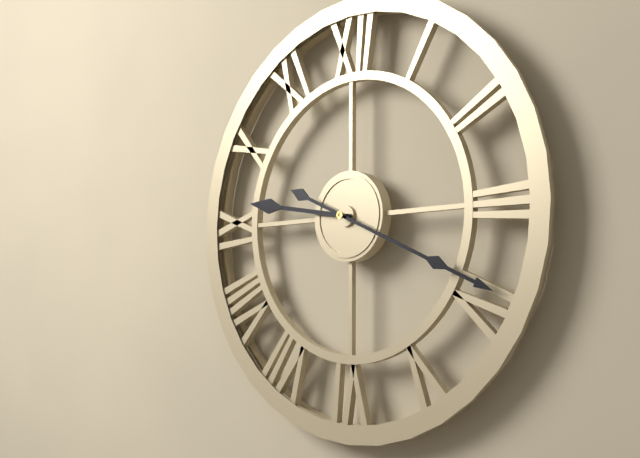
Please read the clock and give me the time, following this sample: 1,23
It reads 9,19
